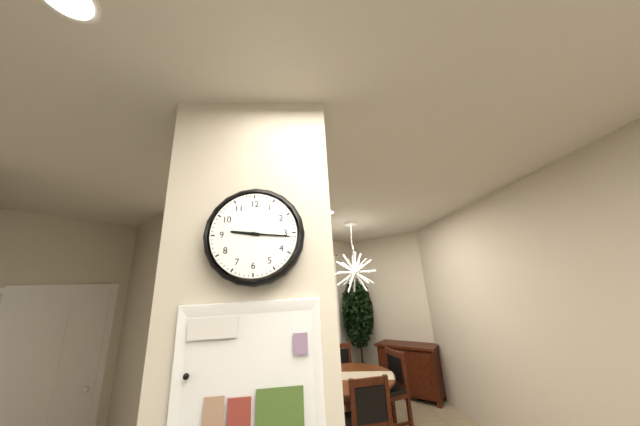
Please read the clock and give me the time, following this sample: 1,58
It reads 9,16
